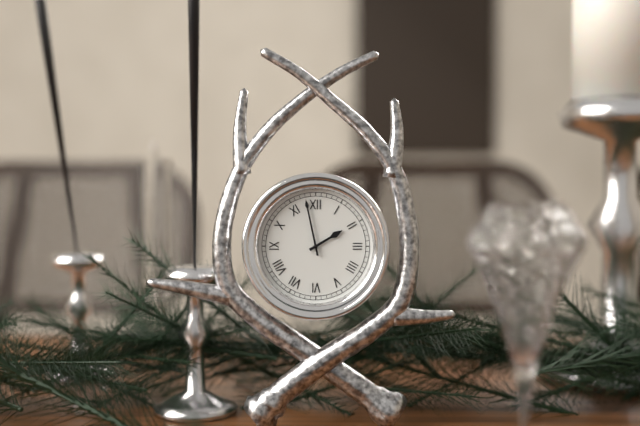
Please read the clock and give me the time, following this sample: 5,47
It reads 1,58
